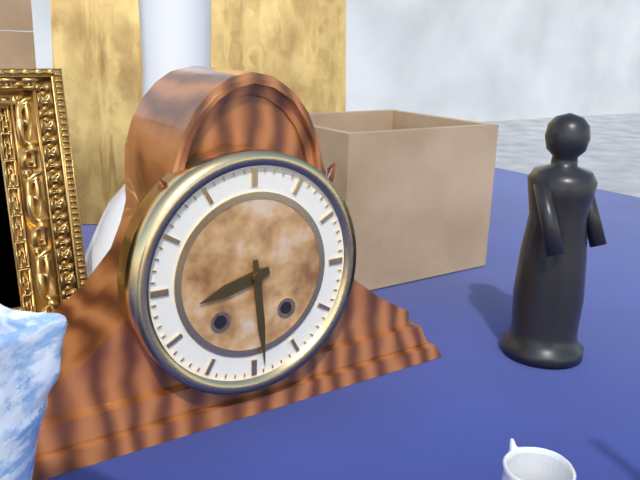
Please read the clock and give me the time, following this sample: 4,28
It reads 8,29
